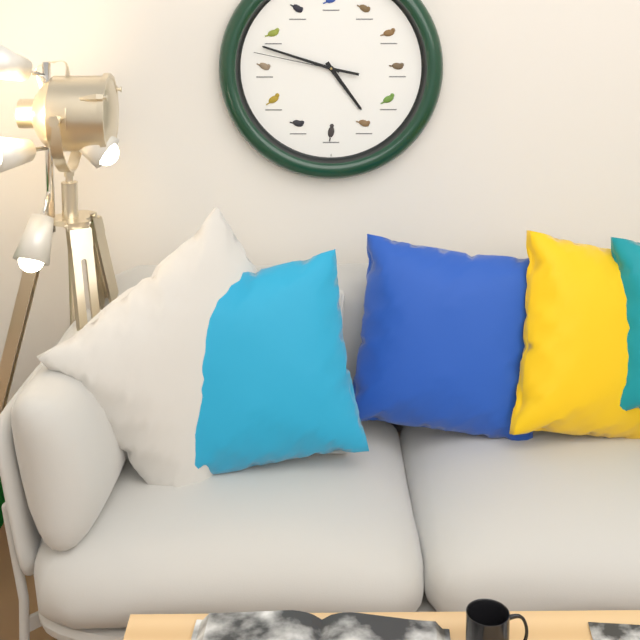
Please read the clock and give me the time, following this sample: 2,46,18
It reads 4,48,47
